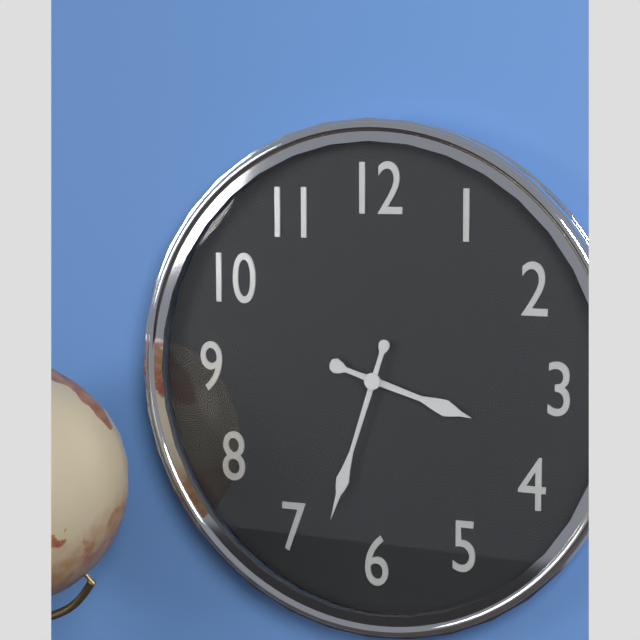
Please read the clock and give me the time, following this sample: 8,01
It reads 3,33
